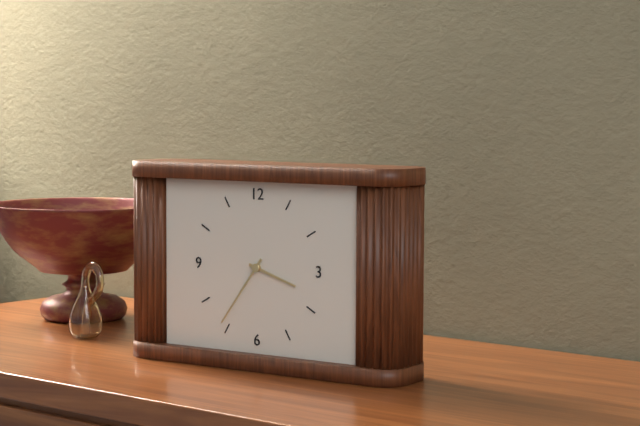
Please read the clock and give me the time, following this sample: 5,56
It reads 3,36
